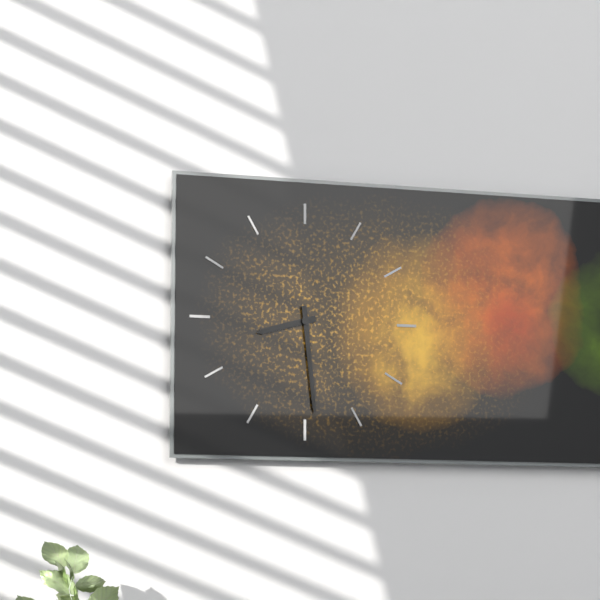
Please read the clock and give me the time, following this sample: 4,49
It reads 8,29
